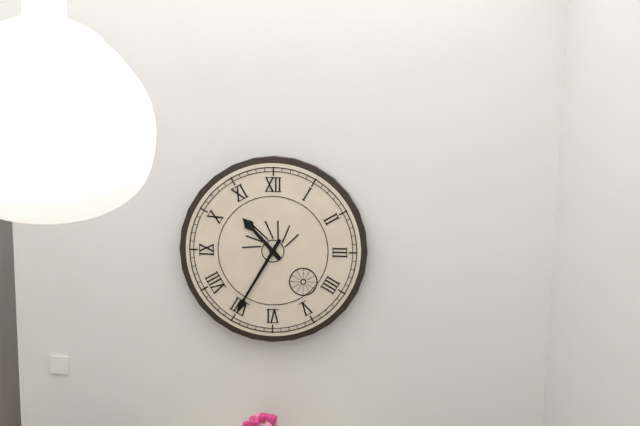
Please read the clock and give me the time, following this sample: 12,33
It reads 10,35
